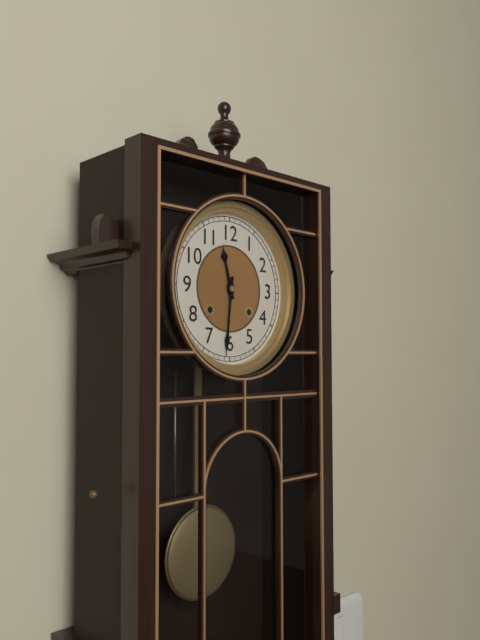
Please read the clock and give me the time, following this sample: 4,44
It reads 11,31
